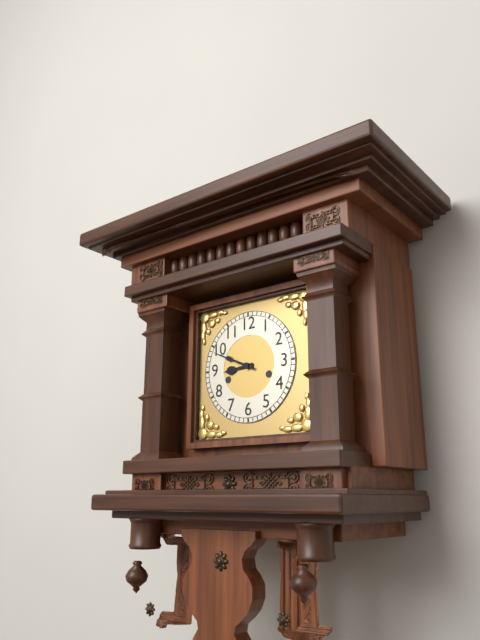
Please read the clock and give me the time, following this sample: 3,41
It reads 8,49
